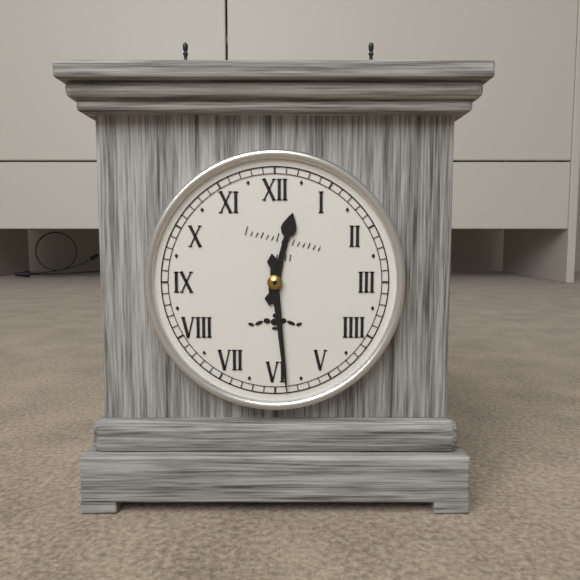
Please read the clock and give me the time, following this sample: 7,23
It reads 12,29
